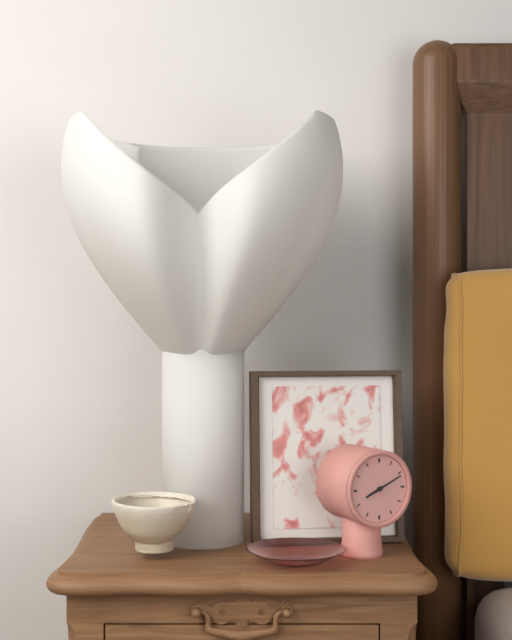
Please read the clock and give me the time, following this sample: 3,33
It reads 8,11
